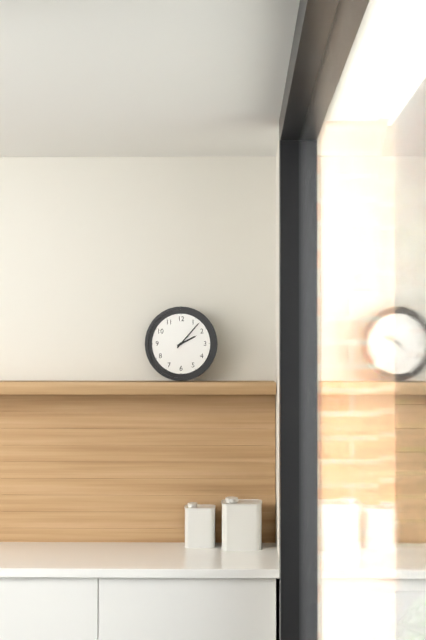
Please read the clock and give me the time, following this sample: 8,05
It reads 2,07
